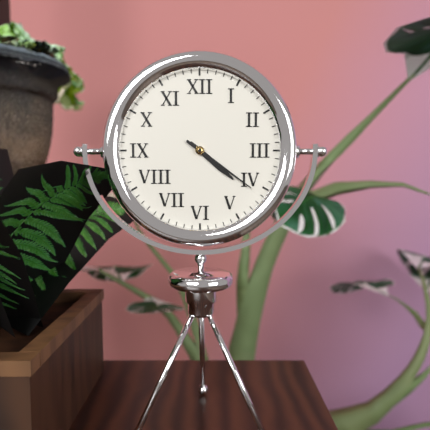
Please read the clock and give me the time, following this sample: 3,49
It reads 4,21
